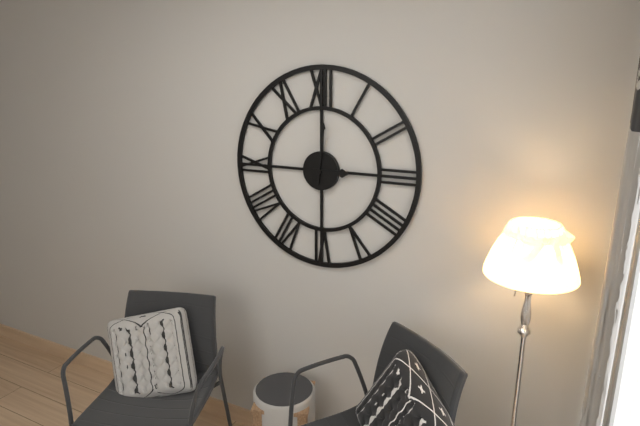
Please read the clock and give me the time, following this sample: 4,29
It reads 3,01
